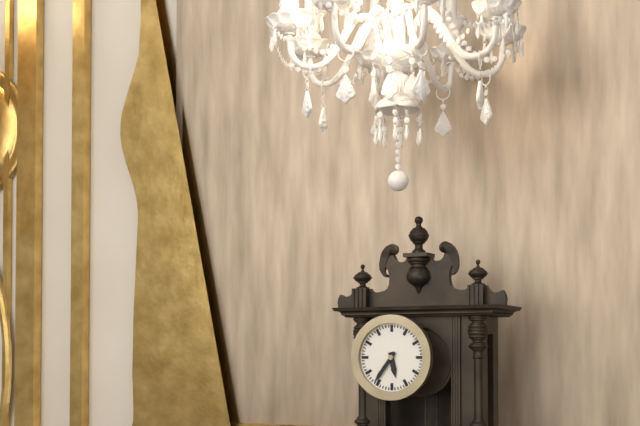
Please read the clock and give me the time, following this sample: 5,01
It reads 5,36
